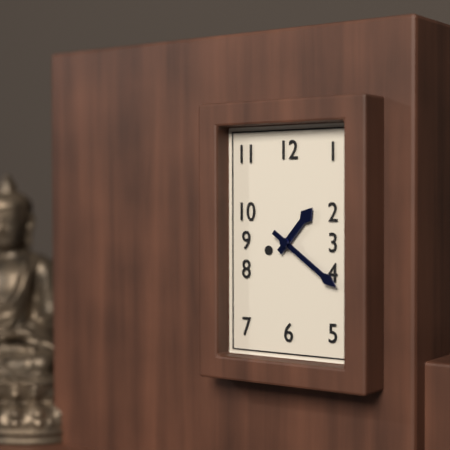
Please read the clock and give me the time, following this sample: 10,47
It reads 1,21
